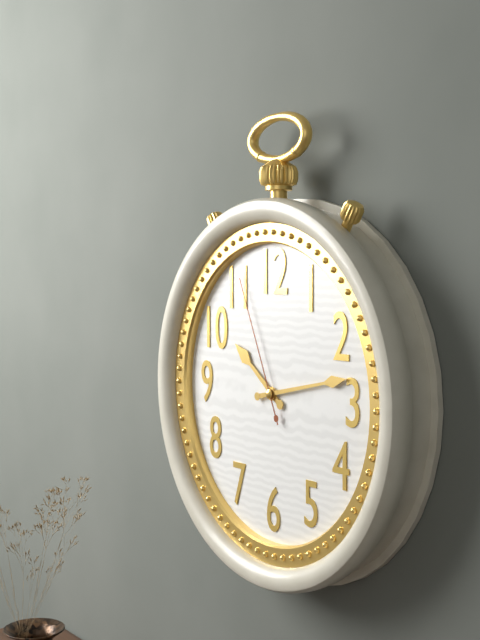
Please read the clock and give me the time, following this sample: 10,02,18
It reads 10,13,56
